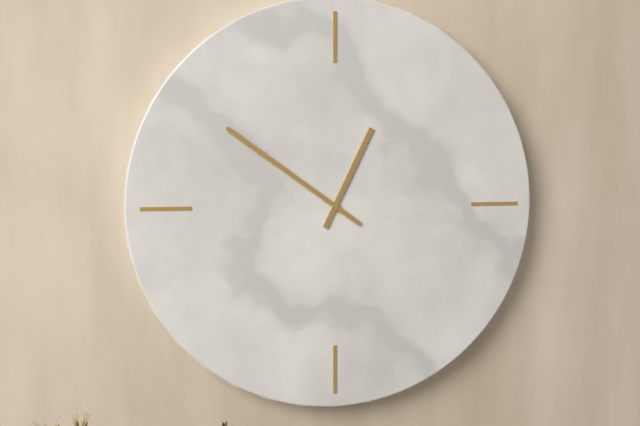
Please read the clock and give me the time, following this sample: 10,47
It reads 12,51
